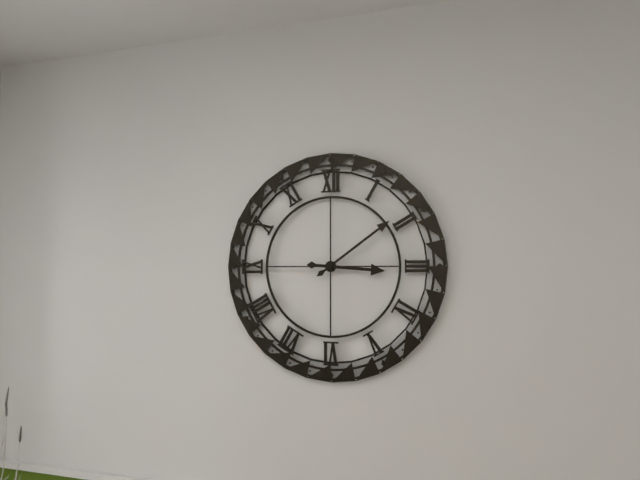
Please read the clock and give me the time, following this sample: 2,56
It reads 3,09
